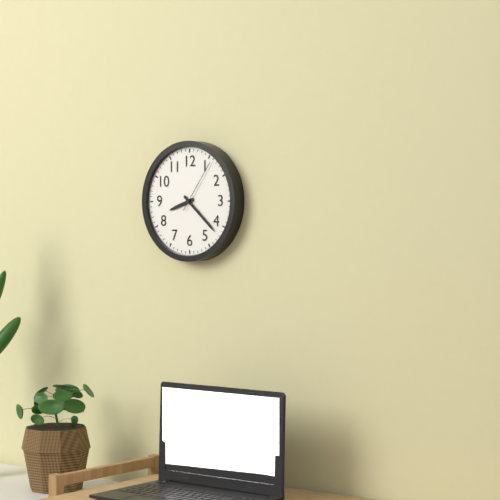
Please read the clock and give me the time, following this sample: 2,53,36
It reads 8,22,06
